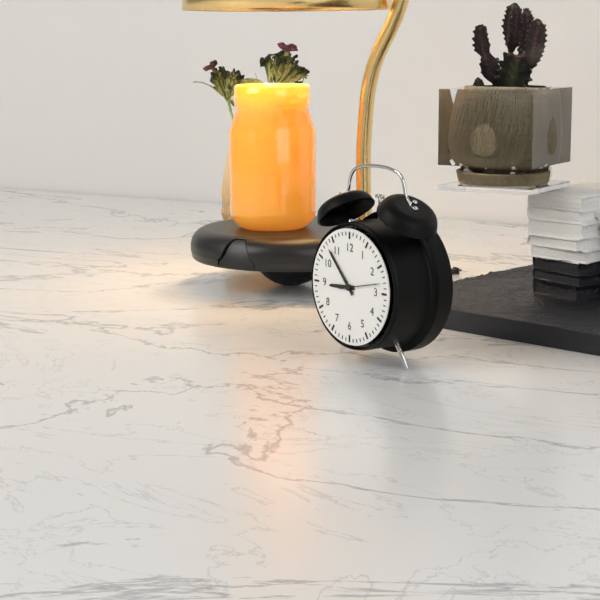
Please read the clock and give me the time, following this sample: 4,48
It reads 8,53
